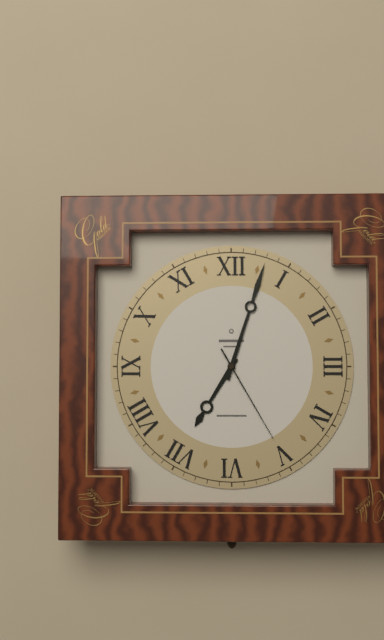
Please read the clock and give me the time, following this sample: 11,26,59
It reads 7,03,25
